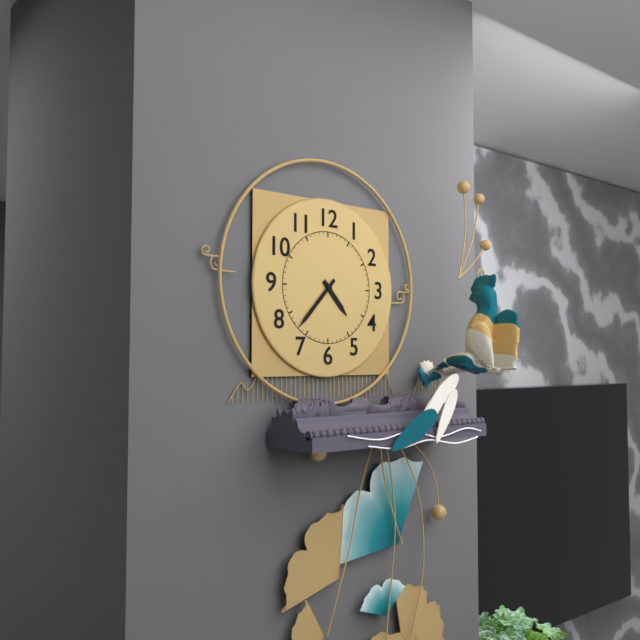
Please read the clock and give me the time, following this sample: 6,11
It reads 4,37
